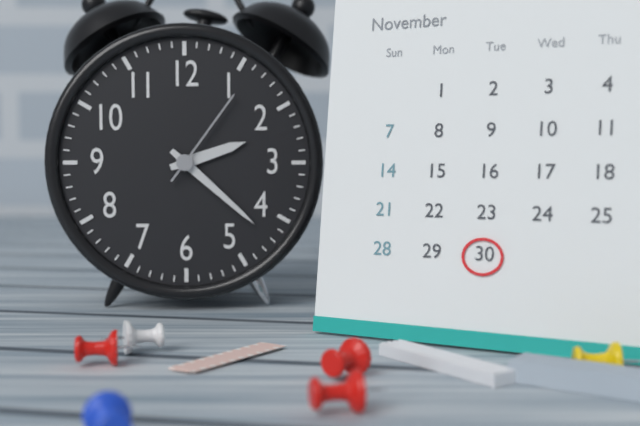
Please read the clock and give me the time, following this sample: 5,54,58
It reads 2,22,06
